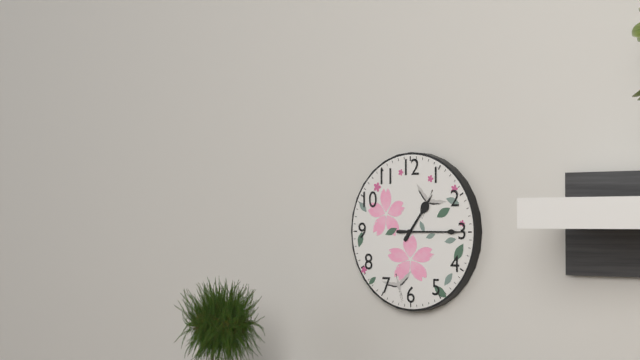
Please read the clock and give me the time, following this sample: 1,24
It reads 1,15
